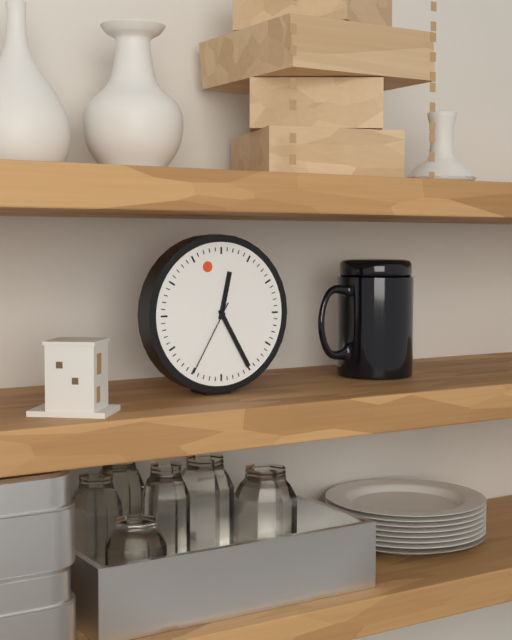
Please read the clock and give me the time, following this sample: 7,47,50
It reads 12,25,35
